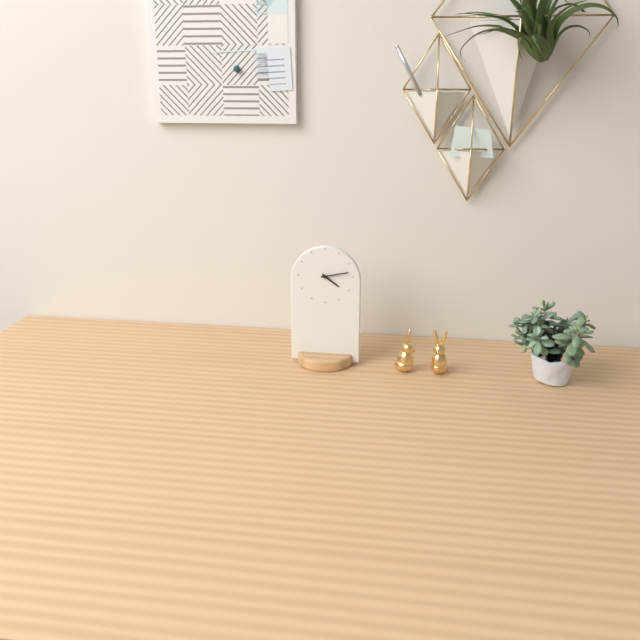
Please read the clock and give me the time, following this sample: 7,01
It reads 4,13
